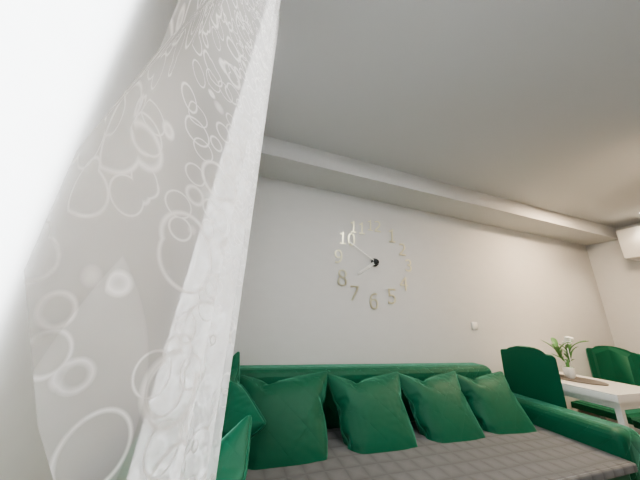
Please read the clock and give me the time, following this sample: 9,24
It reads 7,50
